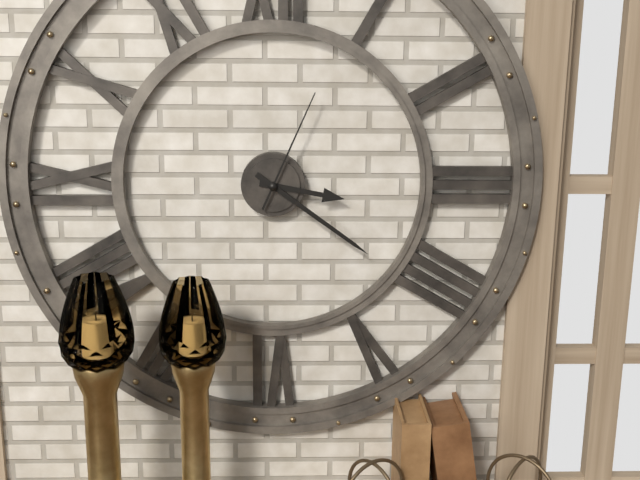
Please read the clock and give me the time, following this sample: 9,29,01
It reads 3,21,04
